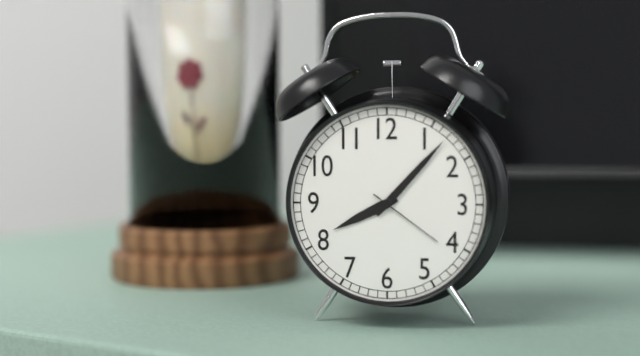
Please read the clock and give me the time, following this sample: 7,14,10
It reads 8,07,21
